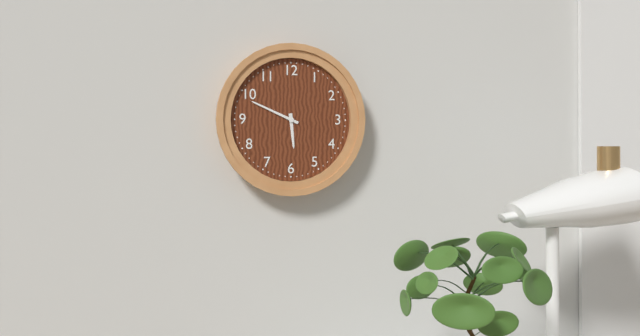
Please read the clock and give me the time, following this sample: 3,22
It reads 5,49
